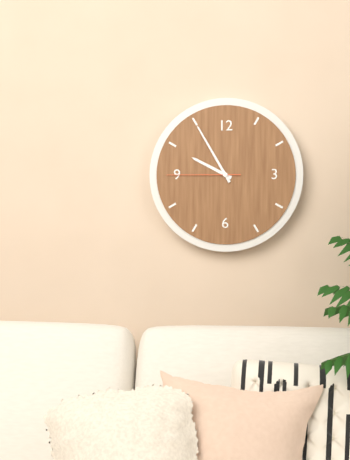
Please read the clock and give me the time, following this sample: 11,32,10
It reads 9,55,45
